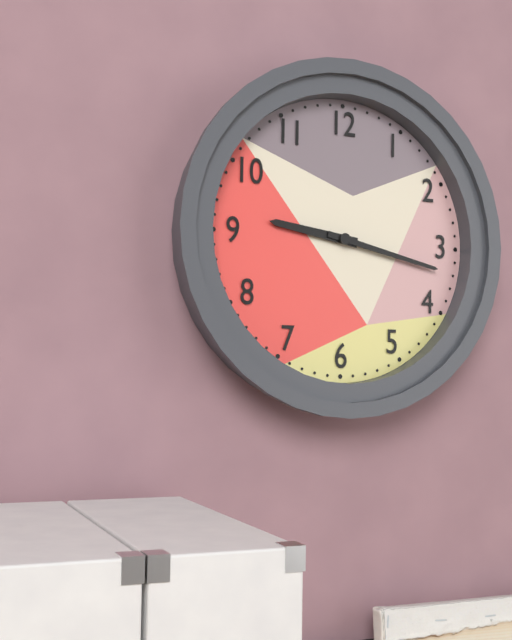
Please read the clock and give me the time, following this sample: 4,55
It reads 9,17
